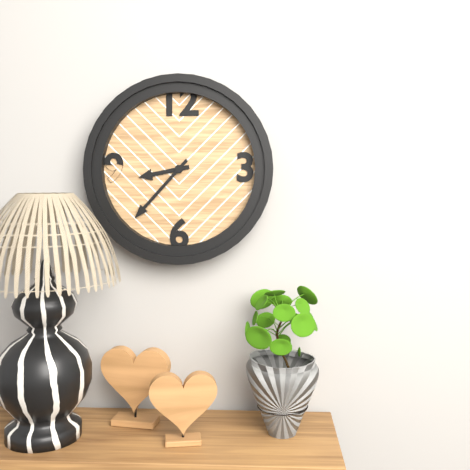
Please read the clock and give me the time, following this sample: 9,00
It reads 8,37
